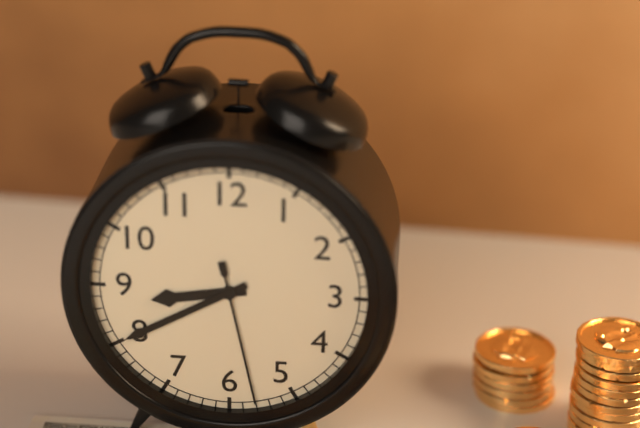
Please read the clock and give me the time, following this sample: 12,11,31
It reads 8,40,28
